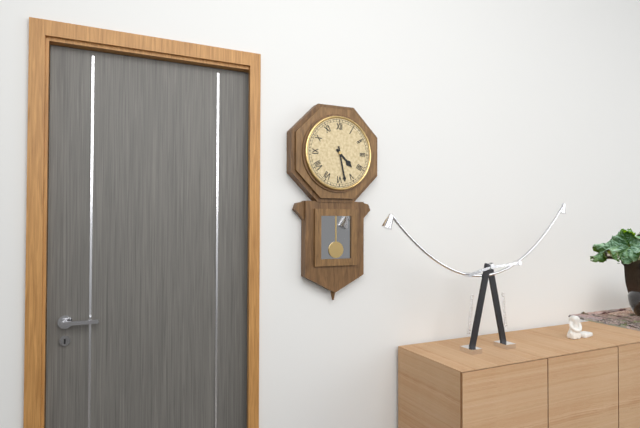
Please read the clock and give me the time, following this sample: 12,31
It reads 4,28
